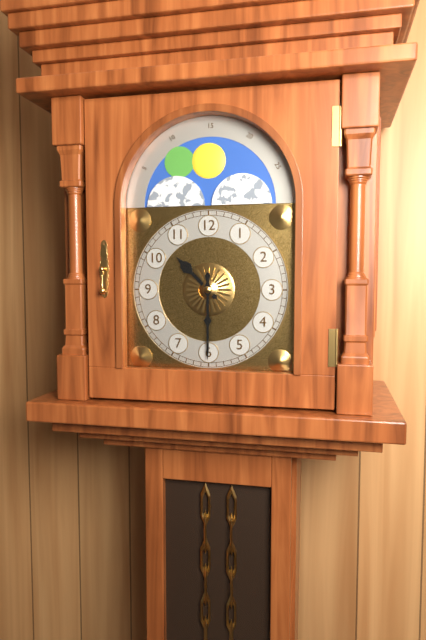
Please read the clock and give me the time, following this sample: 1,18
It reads 10,30
